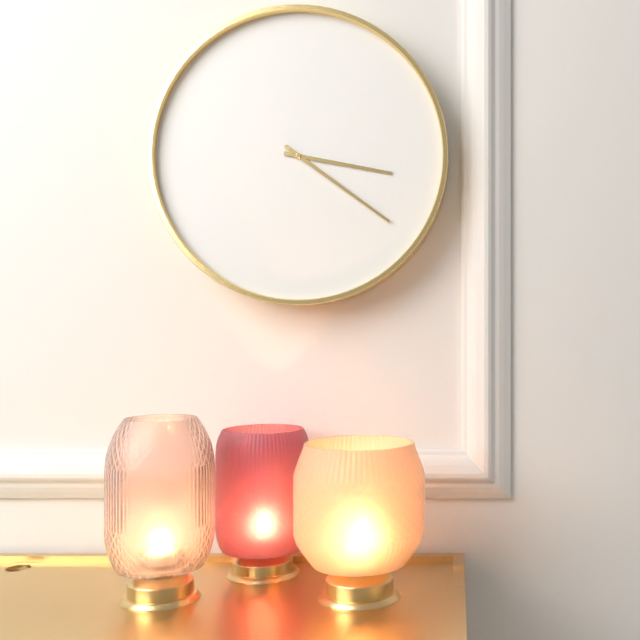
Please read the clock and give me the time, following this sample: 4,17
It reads 3,21
